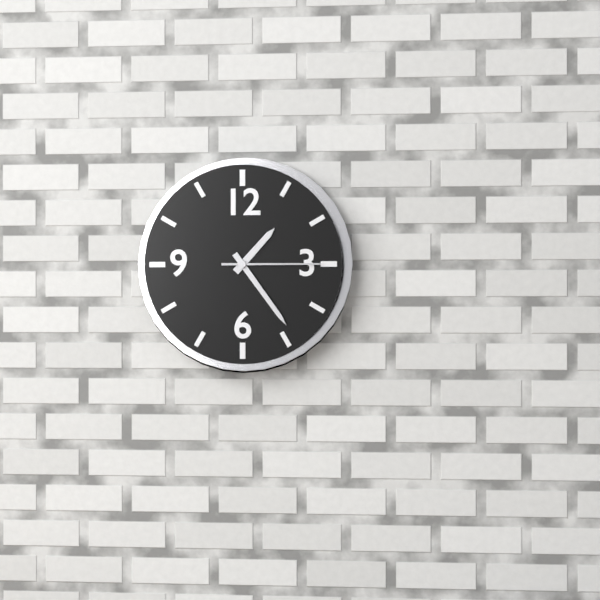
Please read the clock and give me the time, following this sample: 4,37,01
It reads 1,24,15
